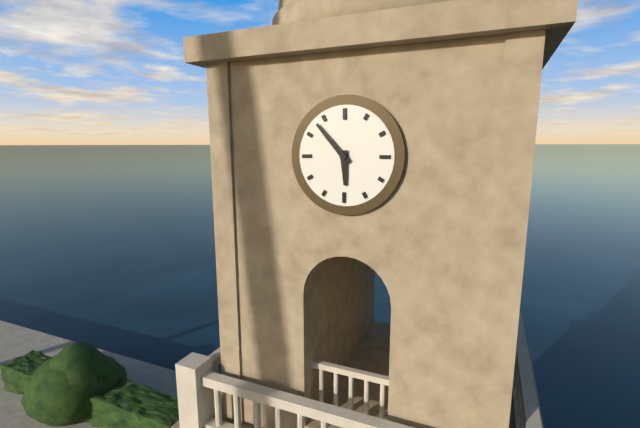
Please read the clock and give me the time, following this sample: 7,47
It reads 5,53
